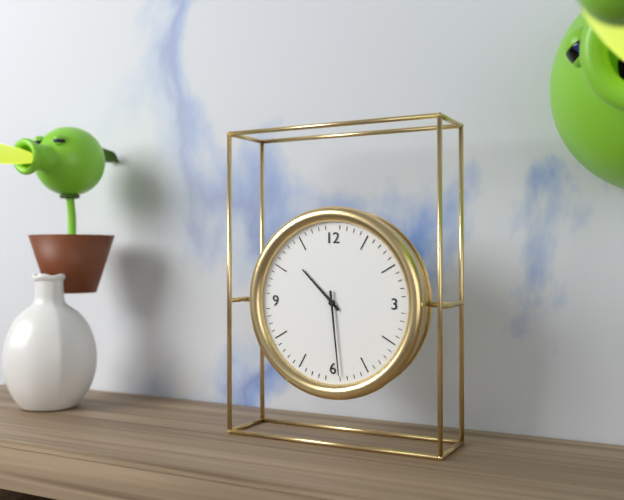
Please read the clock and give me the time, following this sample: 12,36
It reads 10,29
